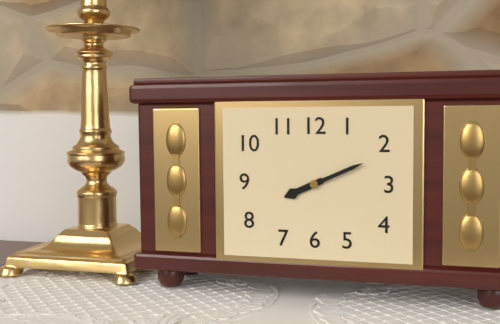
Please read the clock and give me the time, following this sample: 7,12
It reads 8,11
